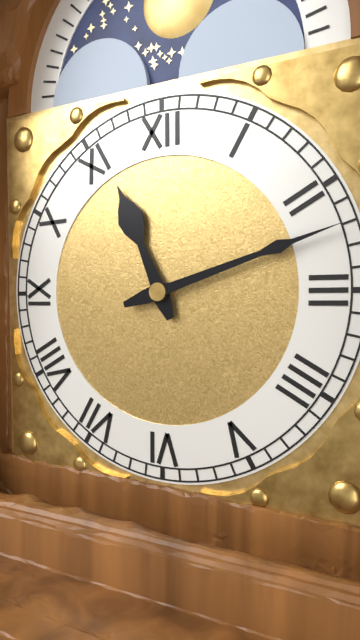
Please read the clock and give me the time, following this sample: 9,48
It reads 11,12
